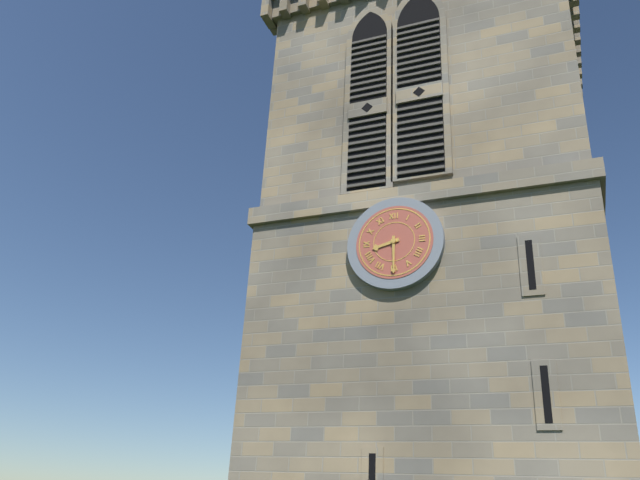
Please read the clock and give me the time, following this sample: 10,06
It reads 8,30
